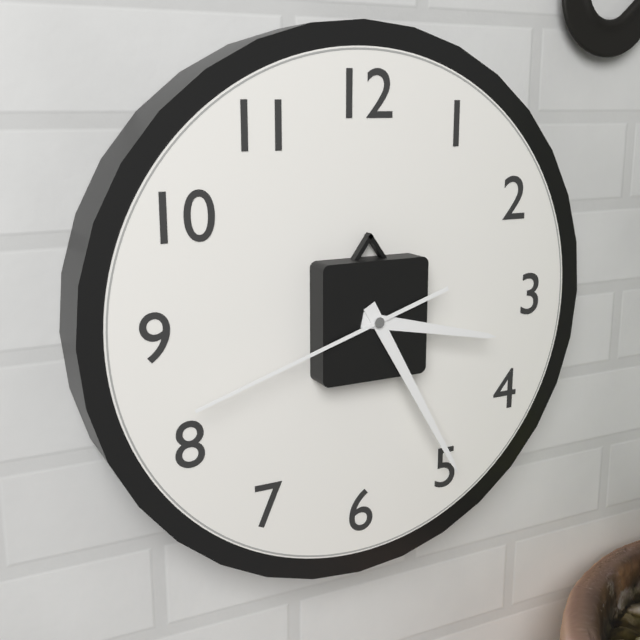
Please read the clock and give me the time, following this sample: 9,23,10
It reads 3,25,42
